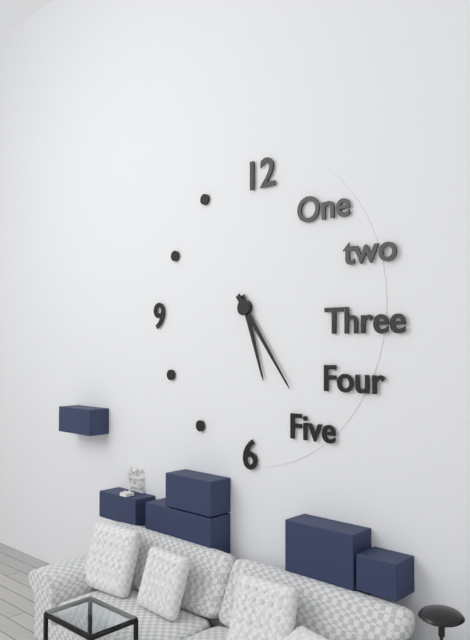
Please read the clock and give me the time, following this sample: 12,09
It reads 5,24
